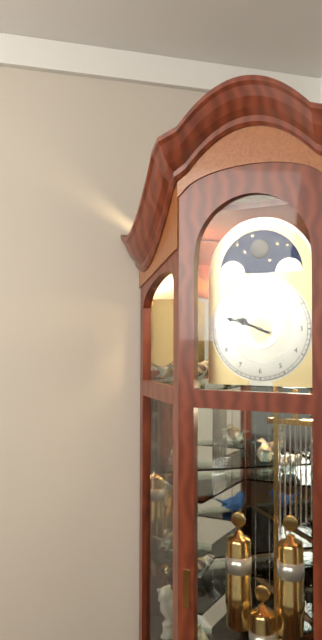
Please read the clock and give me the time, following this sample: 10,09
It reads 9,48
